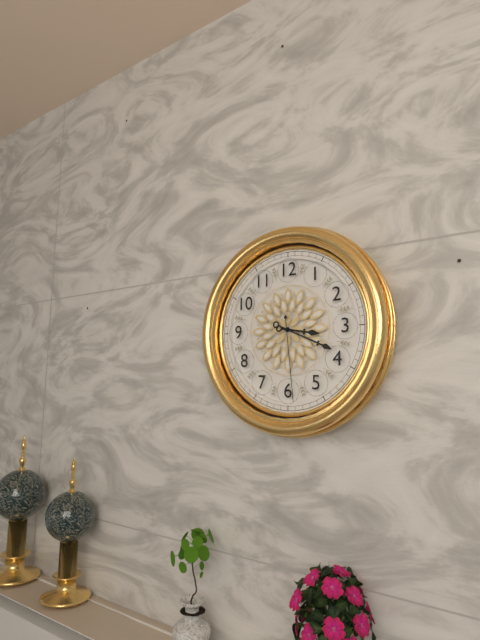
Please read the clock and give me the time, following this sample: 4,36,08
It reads 3,19,29
